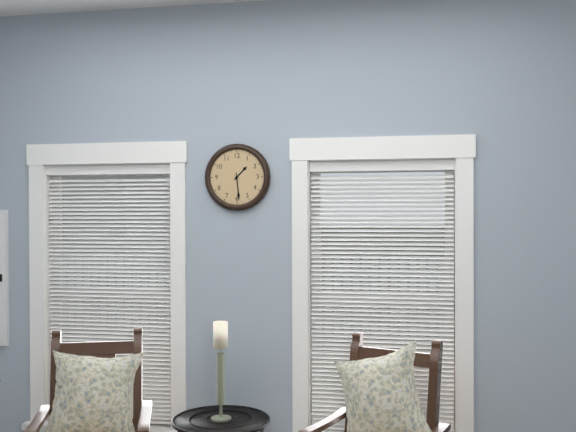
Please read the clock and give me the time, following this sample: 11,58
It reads 1,29
